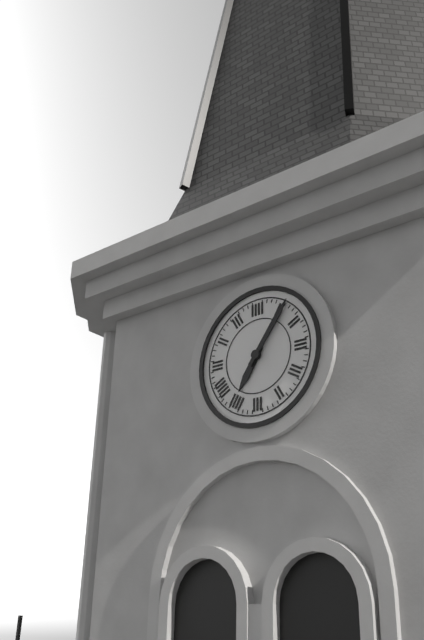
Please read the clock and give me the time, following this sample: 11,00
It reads 7,06
